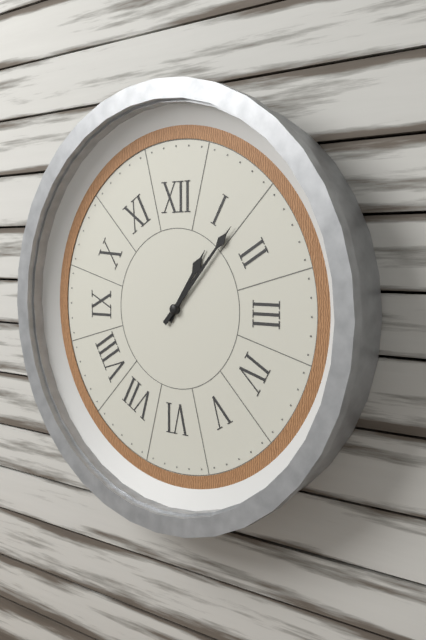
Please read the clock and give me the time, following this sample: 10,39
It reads 1,07
